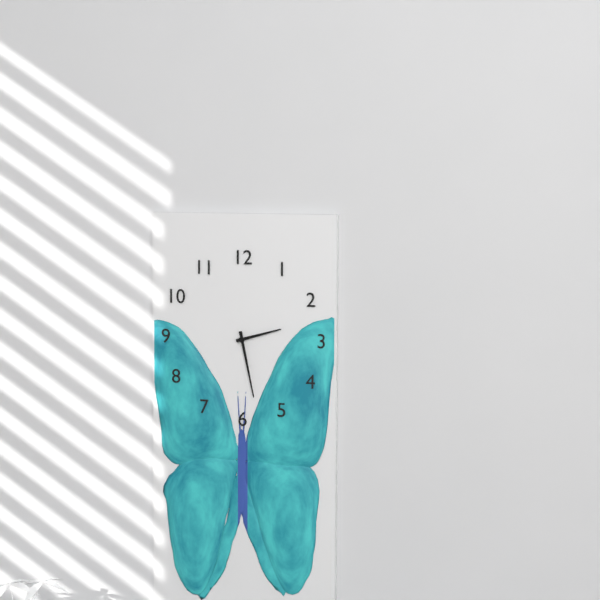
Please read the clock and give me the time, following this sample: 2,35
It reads 2,28
